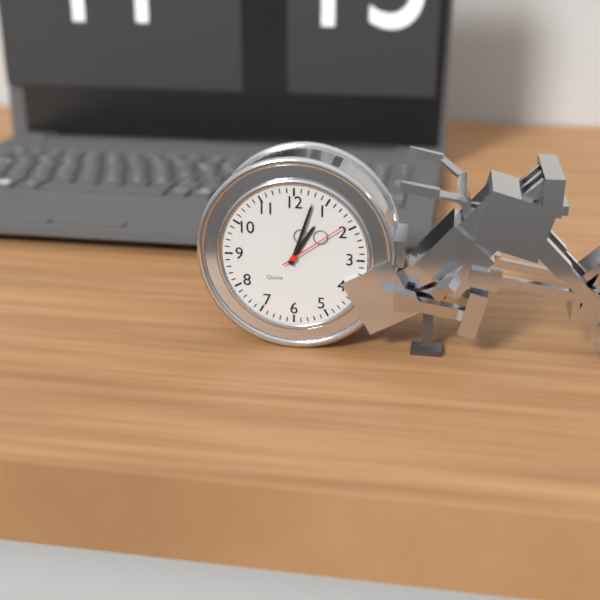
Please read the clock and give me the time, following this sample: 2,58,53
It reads 1,03,09
